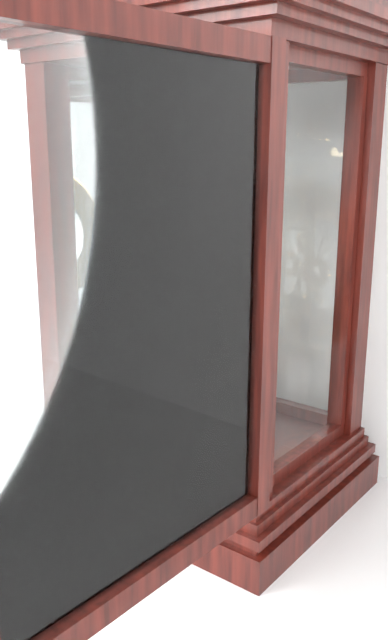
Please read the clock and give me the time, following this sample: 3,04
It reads 12,36
